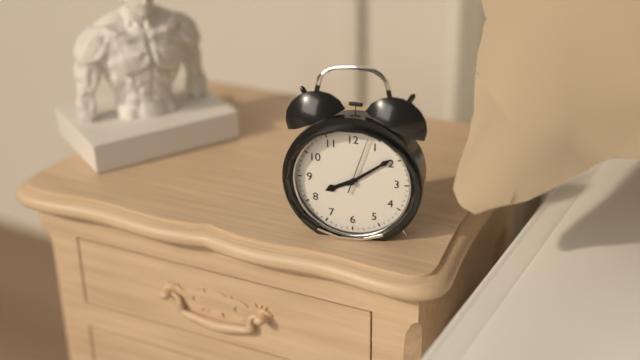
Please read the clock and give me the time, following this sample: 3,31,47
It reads 8,09,03
